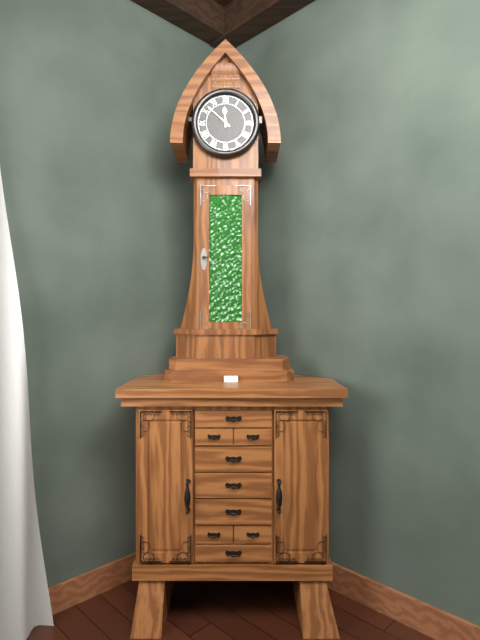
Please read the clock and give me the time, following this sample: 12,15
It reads 11,52
